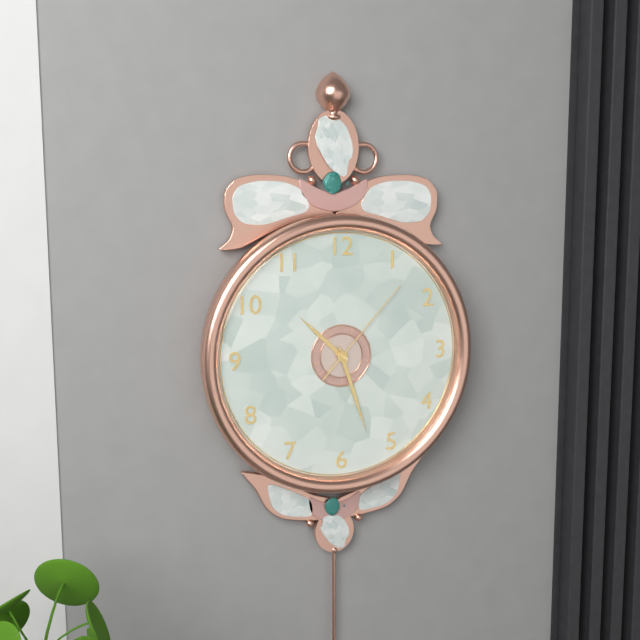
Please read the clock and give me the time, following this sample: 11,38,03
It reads 10,27,07
